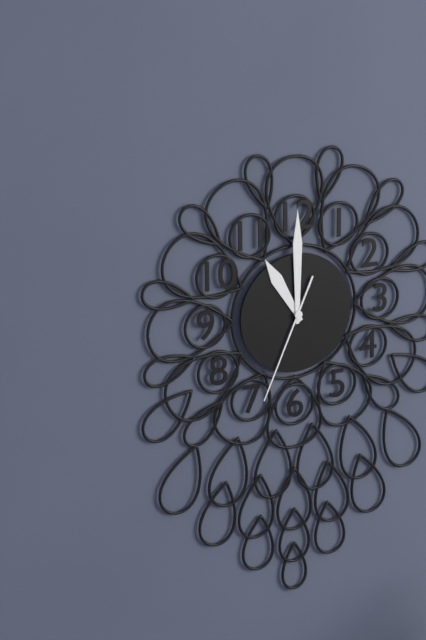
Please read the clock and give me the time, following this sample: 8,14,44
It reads 11,00,34
